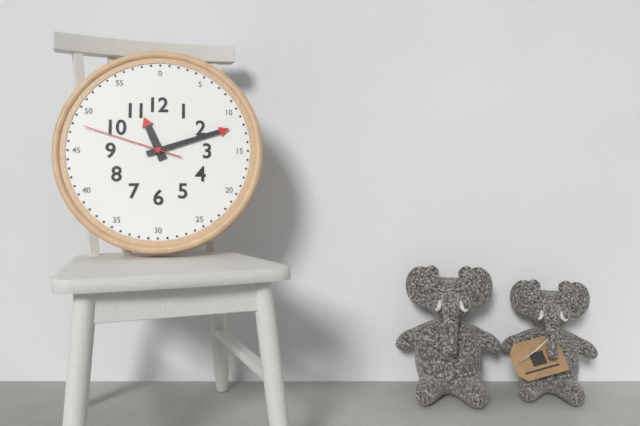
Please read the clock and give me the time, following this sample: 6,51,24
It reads 11,12,48
